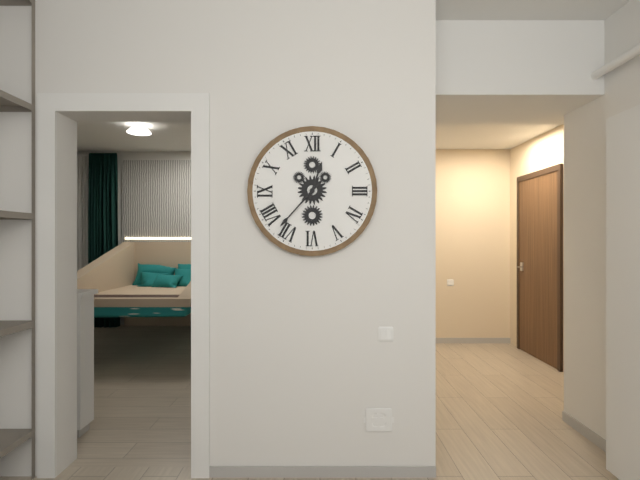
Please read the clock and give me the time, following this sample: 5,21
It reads 12,37
